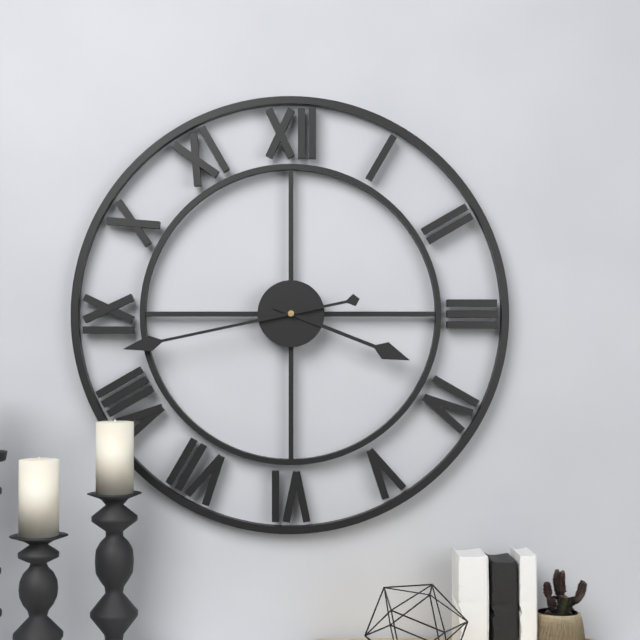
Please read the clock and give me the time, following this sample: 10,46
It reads 3,43
